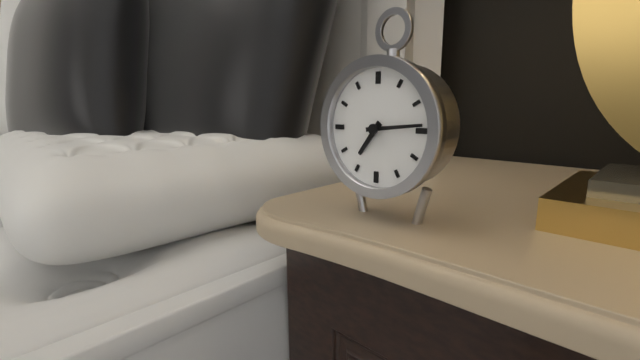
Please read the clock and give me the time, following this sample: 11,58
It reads 7,14
